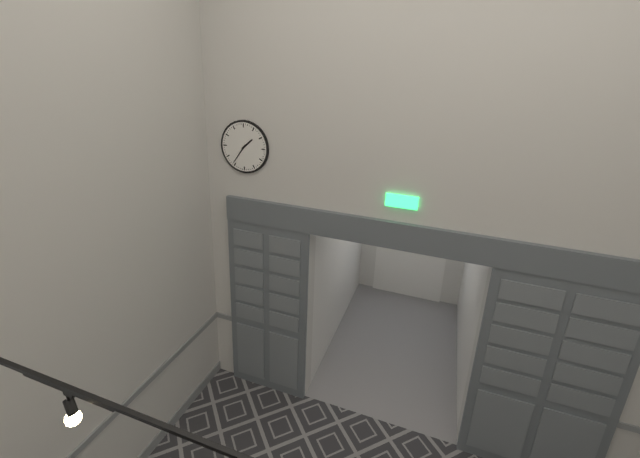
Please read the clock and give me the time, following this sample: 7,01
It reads 1,36
